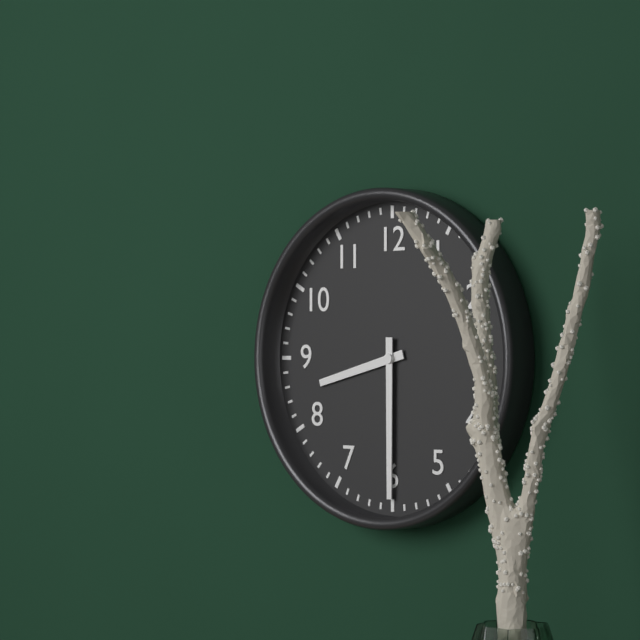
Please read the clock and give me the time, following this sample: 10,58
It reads 8,30
